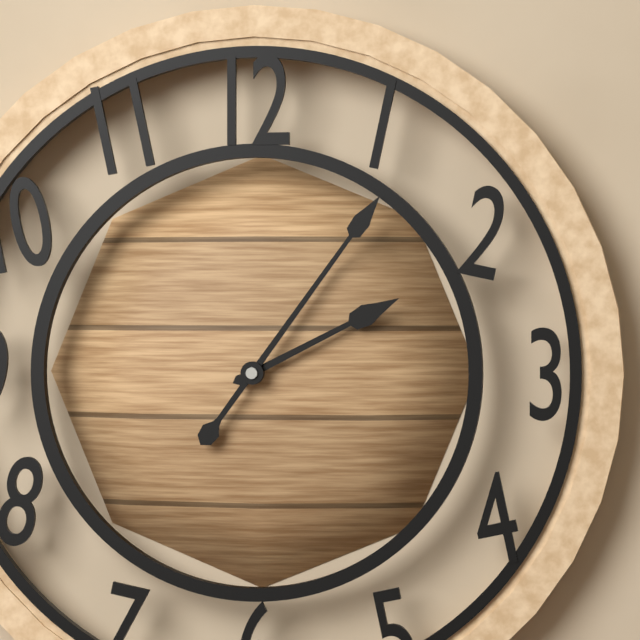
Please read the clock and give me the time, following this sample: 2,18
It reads 2,06
